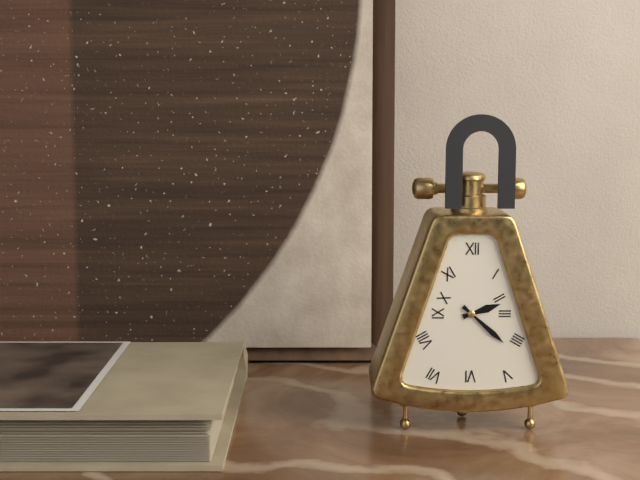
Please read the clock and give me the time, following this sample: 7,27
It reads 2,22
